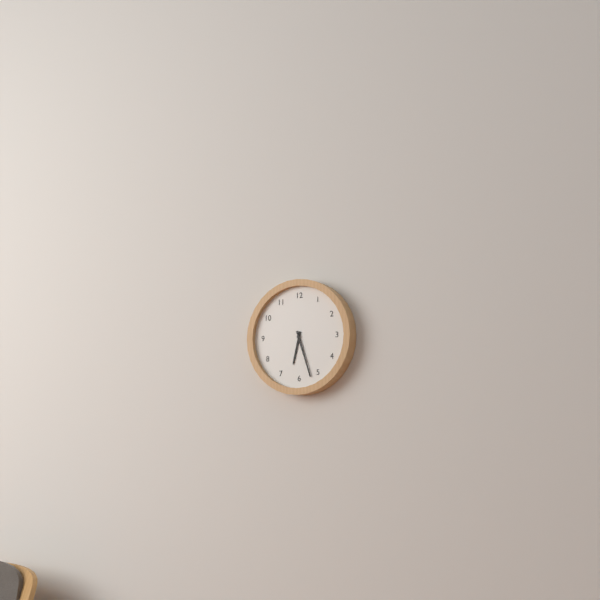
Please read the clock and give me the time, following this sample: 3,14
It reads 6,27
